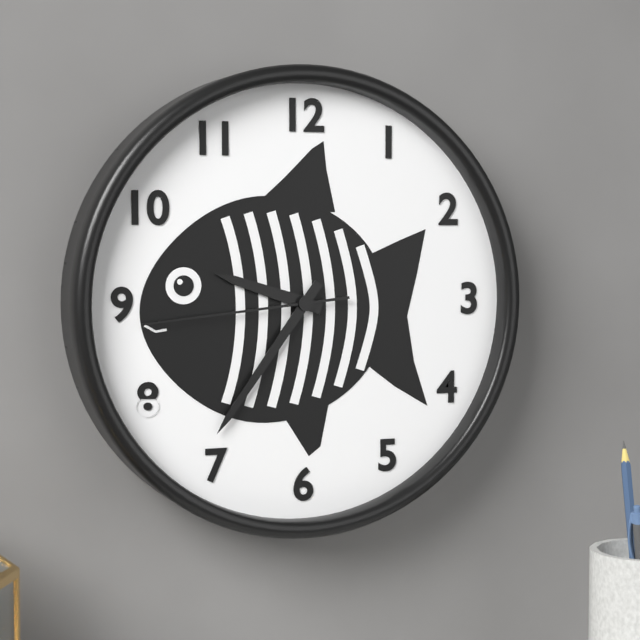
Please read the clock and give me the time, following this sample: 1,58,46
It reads 9,36,44
